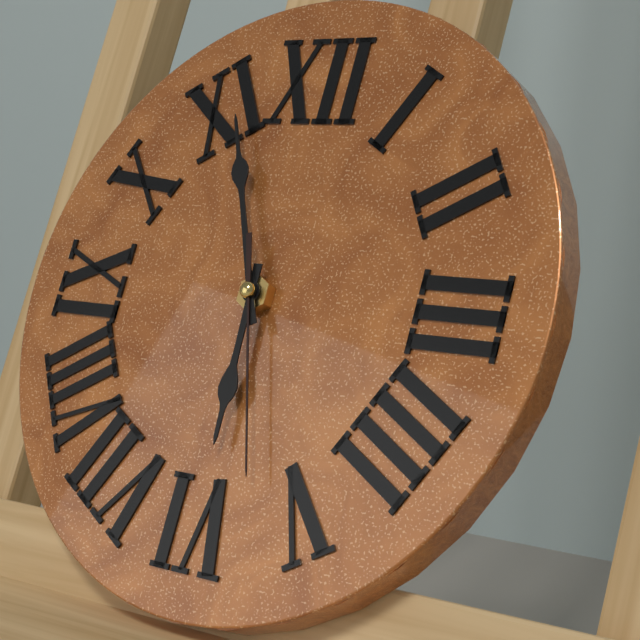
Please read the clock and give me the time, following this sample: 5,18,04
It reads 5,56,27
